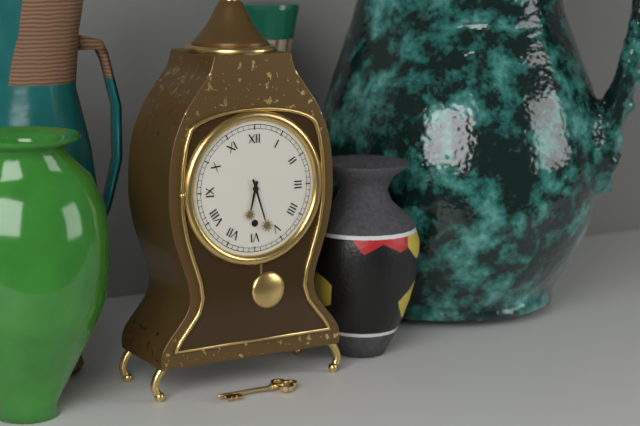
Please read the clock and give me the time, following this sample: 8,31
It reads 6,27
